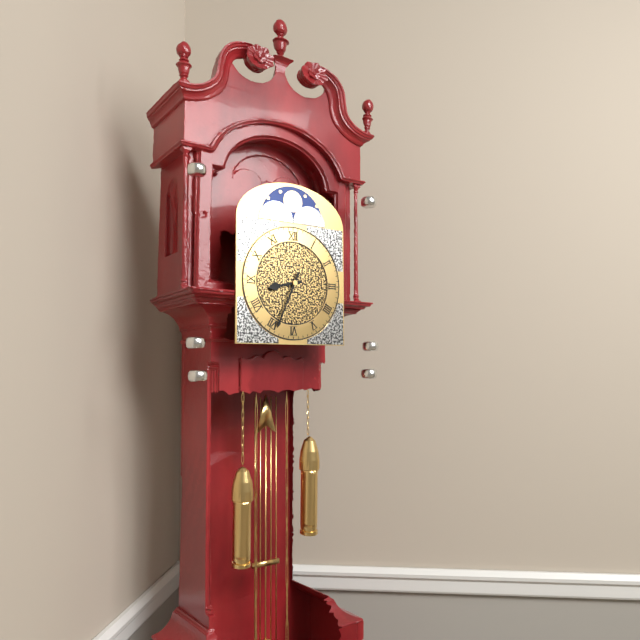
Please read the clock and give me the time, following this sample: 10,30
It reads 8,34
